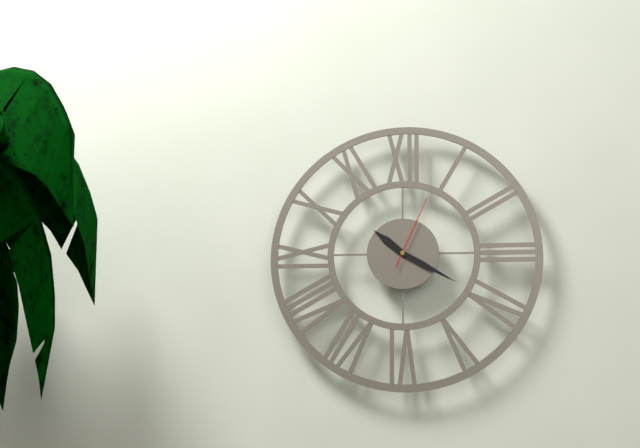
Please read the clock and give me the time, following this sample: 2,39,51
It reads 10,20,04
